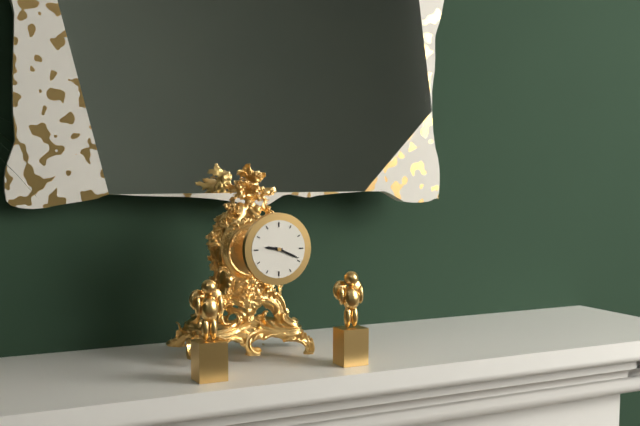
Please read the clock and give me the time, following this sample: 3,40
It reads 9,19
